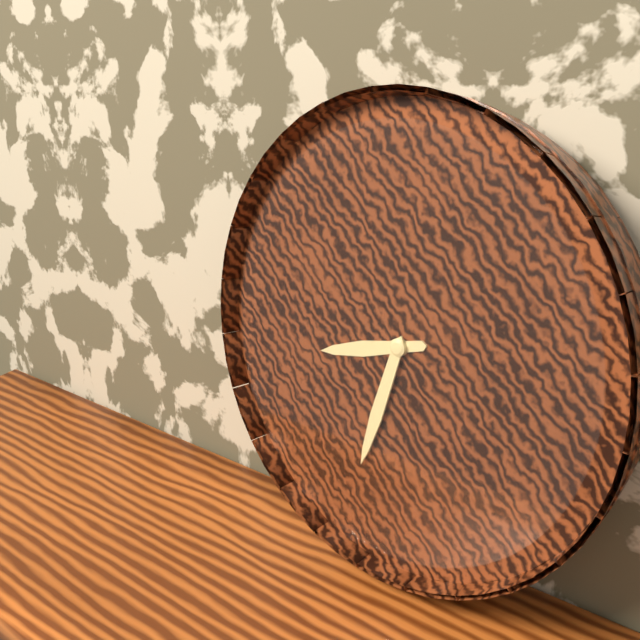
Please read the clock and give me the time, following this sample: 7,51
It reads 8,33
